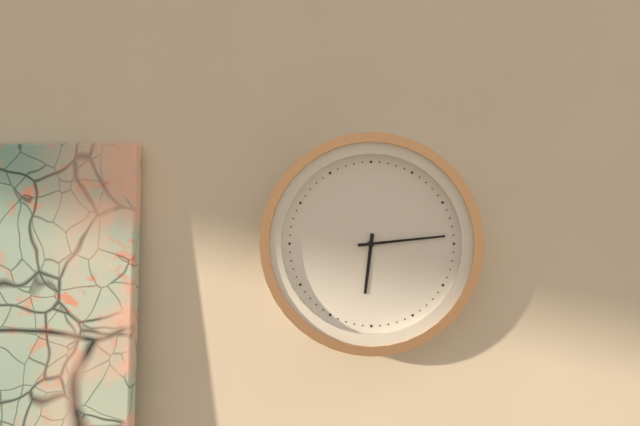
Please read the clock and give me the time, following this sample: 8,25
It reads 6,14
